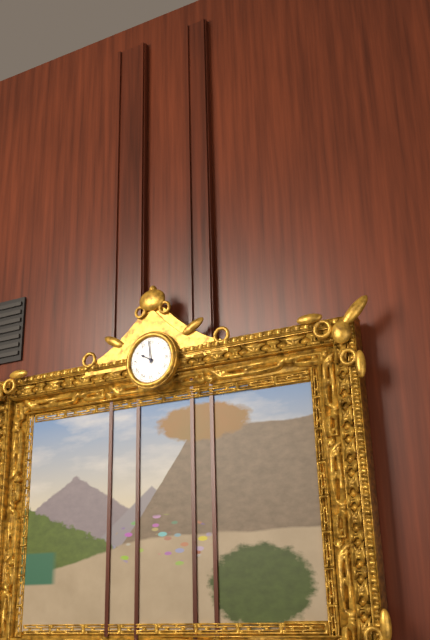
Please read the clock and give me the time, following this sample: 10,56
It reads 9,59
